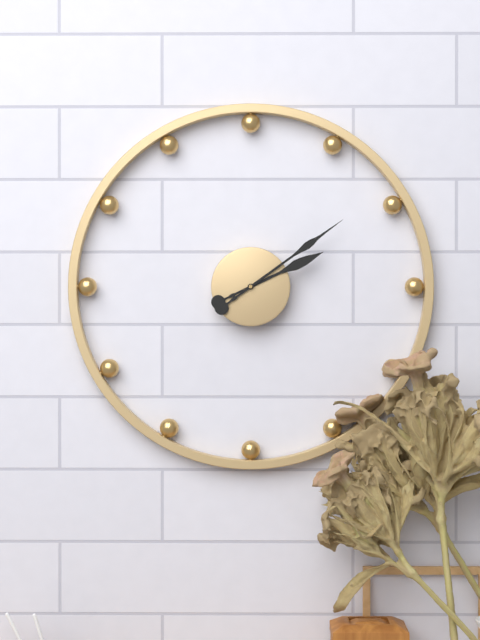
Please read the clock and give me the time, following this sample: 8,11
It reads 2,09
